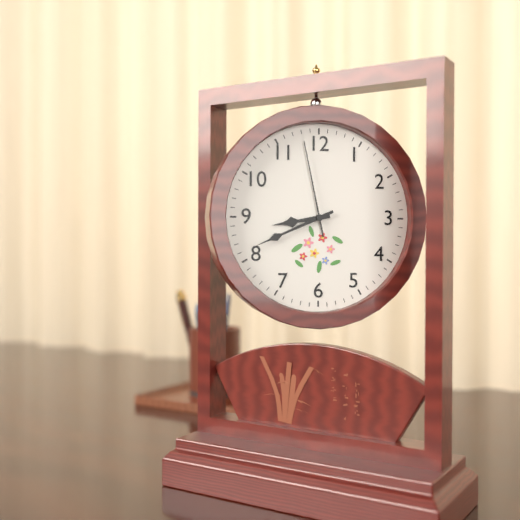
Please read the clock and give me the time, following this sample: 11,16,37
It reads 8,41,58
